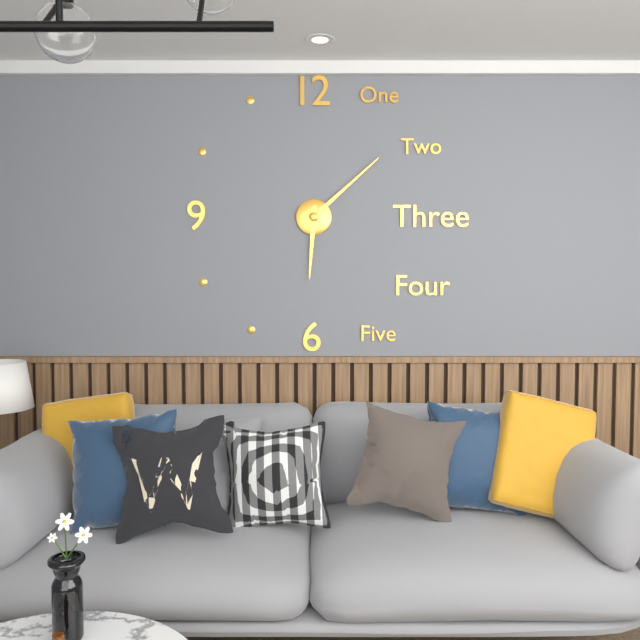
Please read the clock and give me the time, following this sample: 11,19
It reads 6,08
